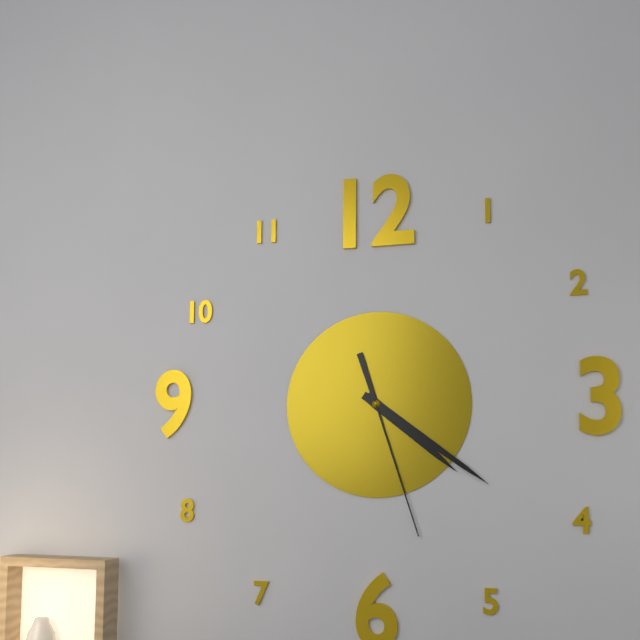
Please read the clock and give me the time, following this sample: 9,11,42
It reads 4,21,27
